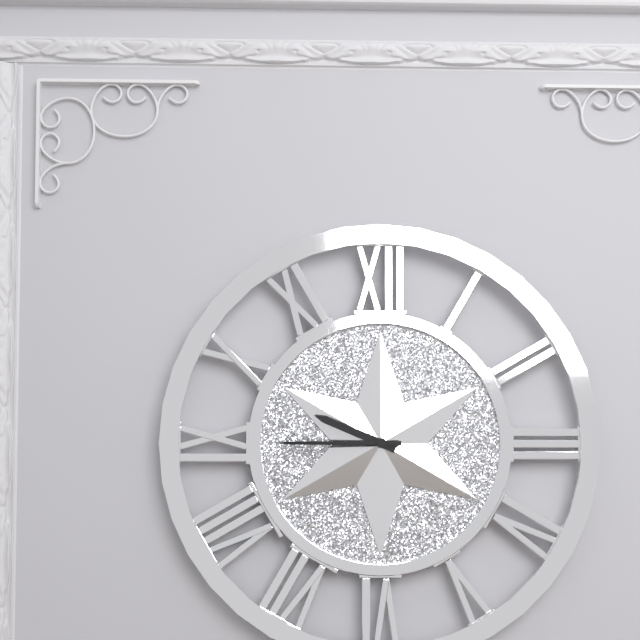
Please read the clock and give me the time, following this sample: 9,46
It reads 9,45
